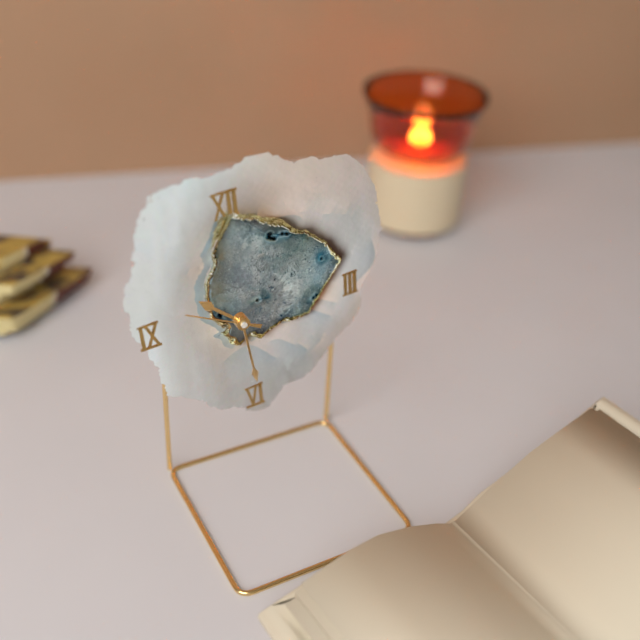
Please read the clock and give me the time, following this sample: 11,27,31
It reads 10,29,50
